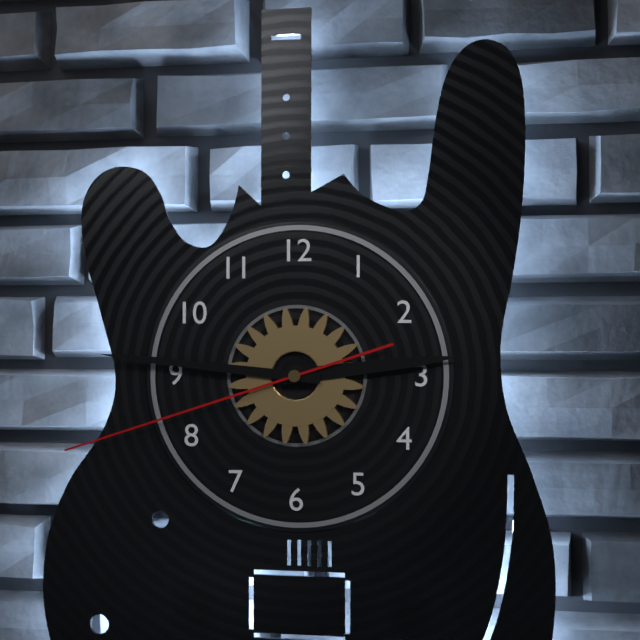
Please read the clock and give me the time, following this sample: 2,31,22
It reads 2,46,42
